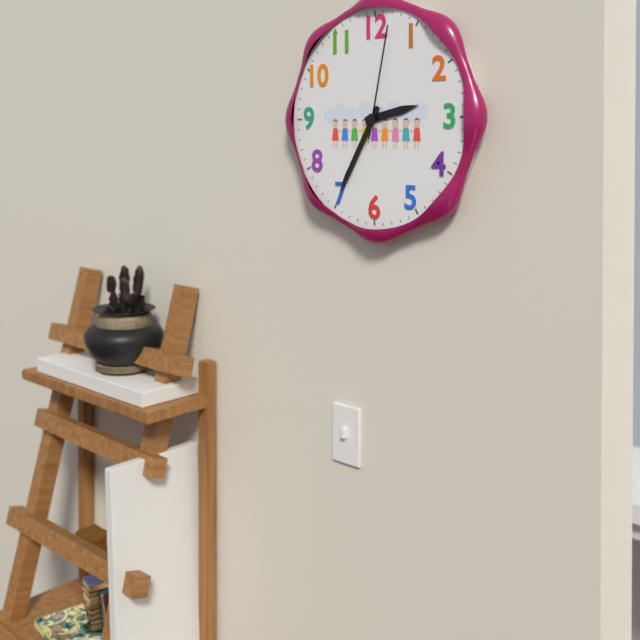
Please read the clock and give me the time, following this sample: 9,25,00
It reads 2,35,02
